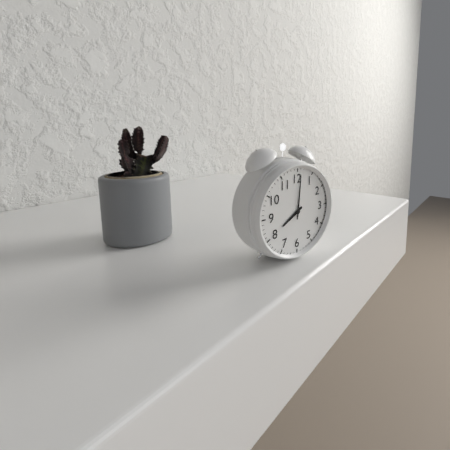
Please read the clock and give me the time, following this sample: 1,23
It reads 8,01
